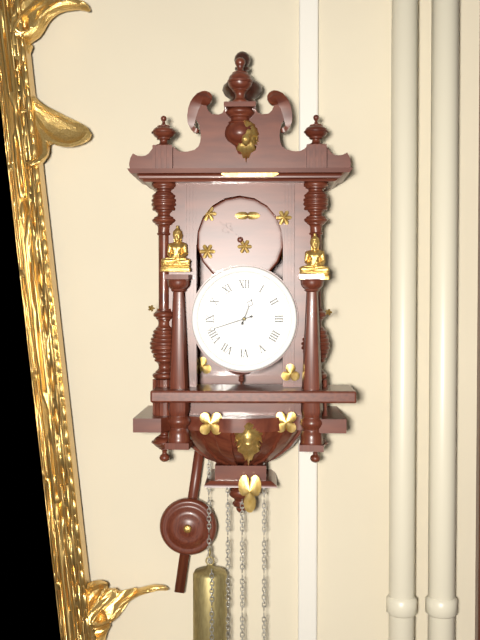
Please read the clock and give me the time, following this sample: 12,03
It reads 12,42
